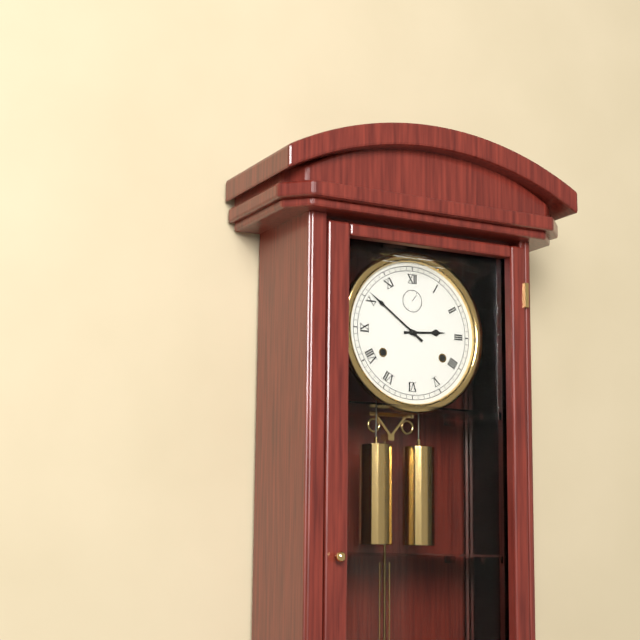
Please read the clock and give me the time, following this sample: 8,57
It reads 2,51
